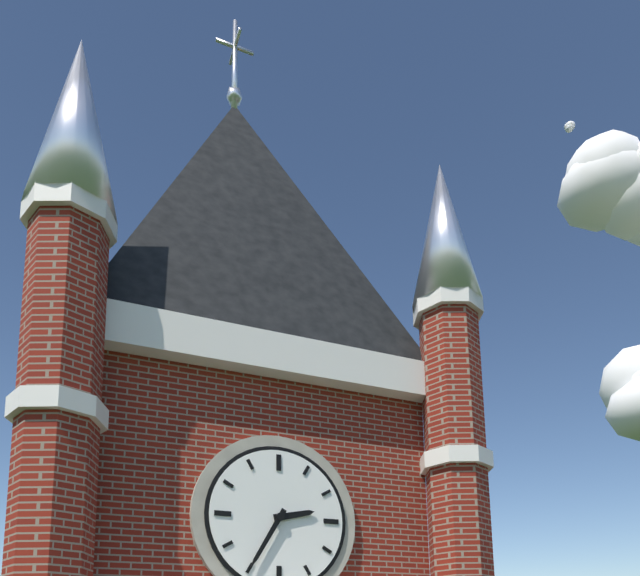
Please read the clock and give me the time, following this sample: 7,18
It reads 2,35
